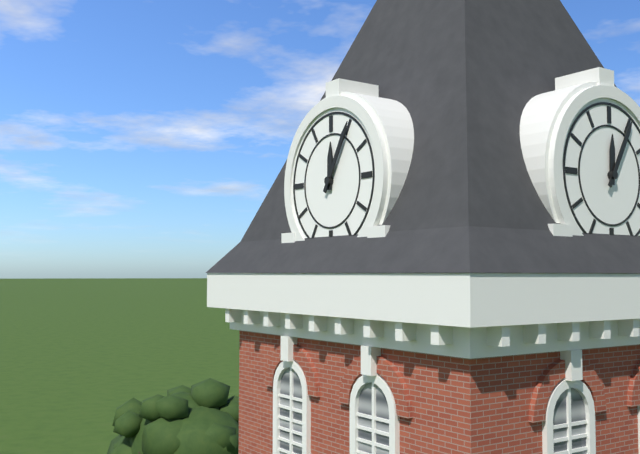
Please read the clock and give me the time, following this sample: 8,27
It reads 12,05
